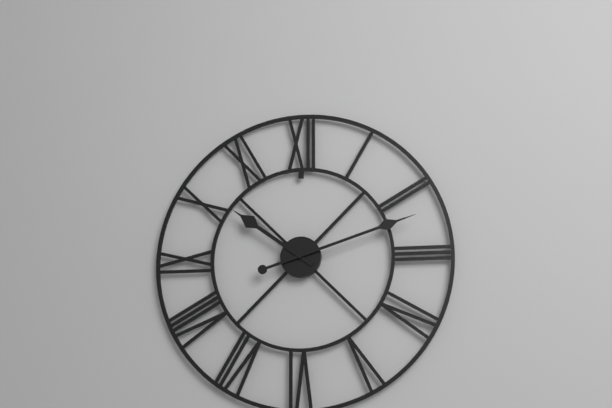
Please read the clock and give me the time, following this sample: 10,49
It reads 10,12
